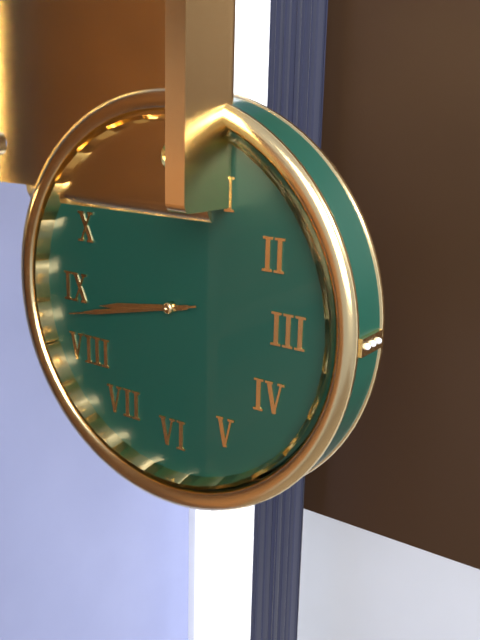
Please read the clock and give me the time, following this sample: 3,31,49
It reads 8,43,43
